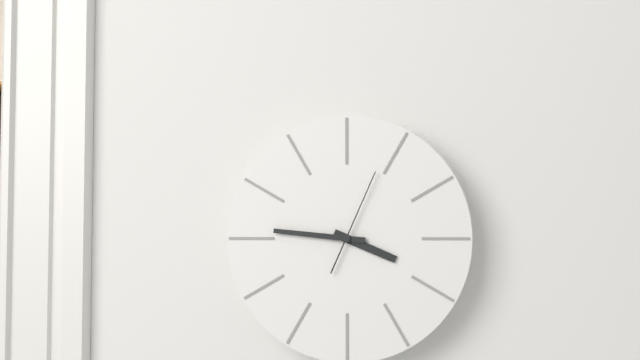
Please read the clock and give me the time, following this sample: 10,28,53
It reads 3,46,04
